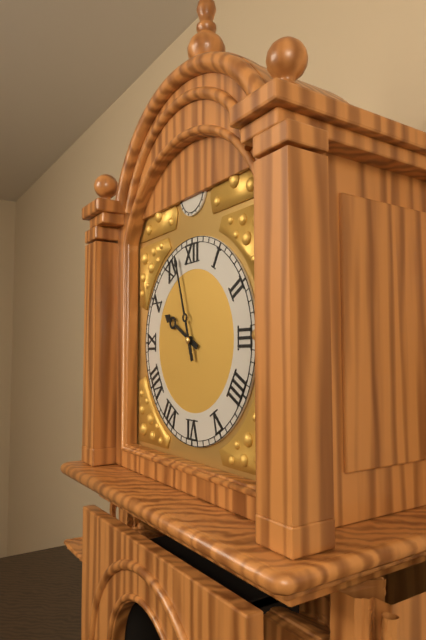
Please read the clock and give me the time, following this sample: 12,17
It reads 9,57
